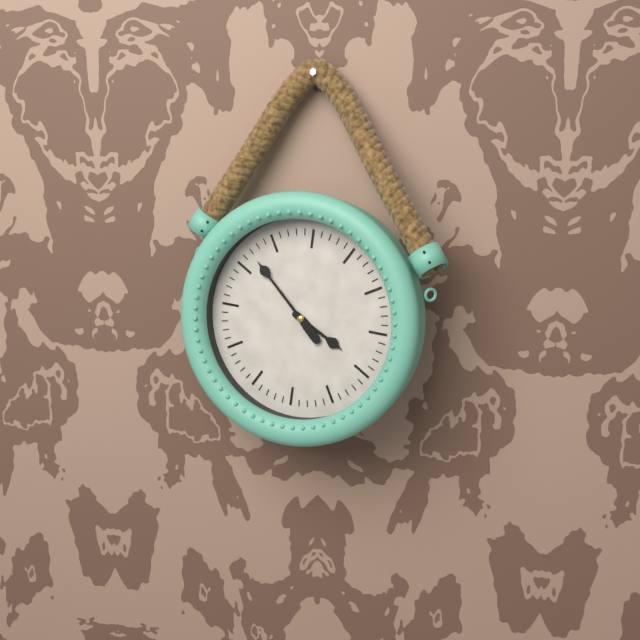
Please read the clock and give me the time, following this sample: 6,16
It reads 3,52
